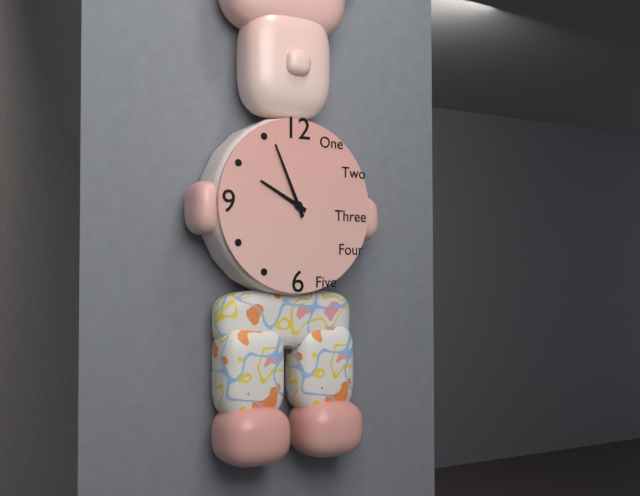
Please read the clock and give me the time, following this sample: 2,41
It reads 9,56
